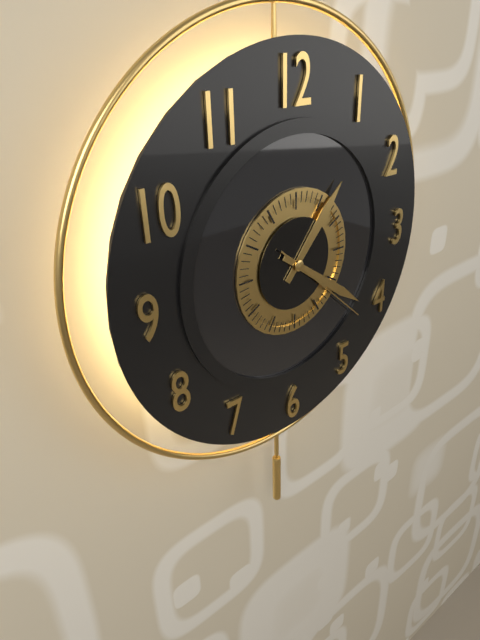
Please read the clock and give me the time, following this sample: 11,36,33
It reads 1,21,22
